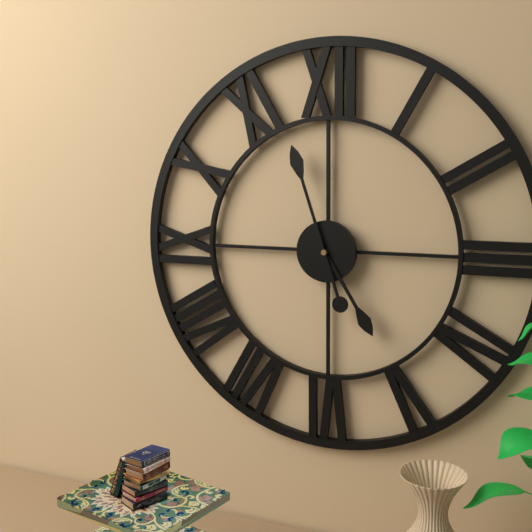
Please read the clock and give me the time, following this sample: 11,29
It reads 4,57
